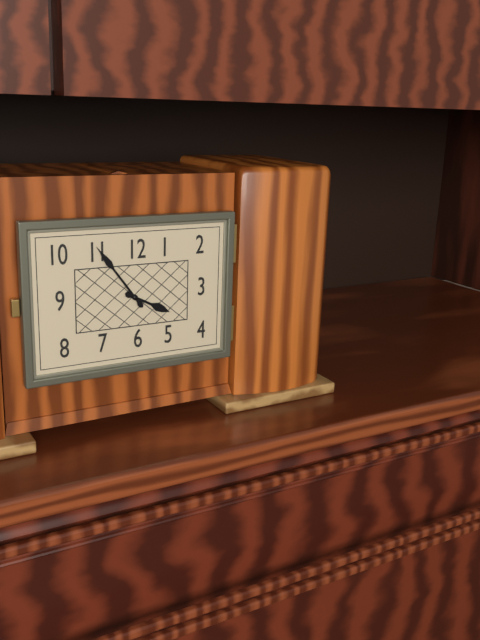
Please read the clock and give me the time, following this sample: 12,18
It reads 3,54
